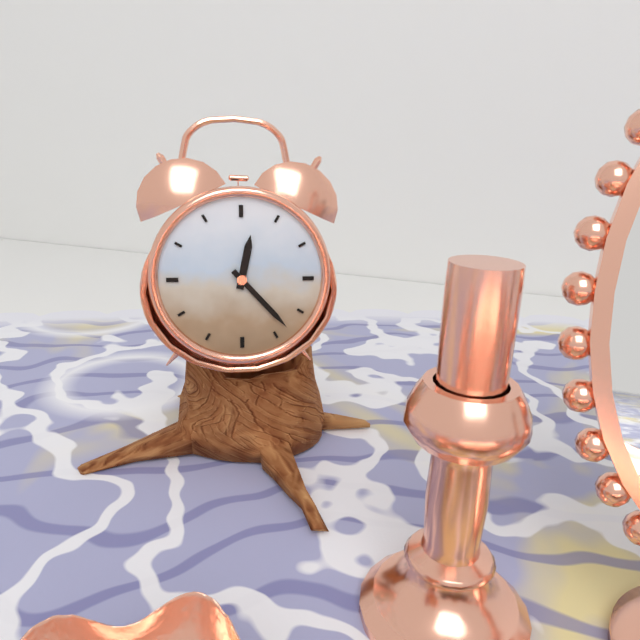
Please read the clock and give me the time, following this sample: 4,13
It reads 12,23
